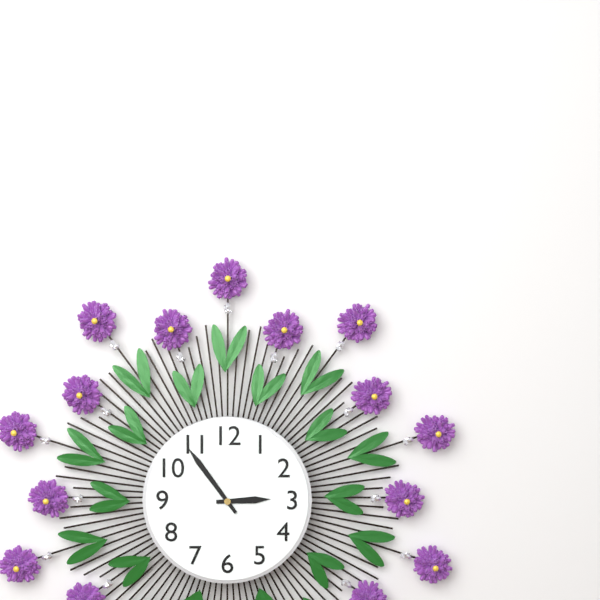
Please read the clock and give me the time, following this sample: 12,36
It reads 2,54
